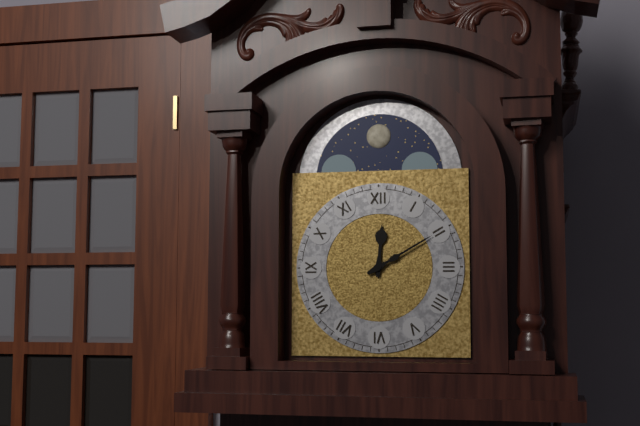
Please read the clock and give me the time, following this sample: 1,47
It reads 12,10
